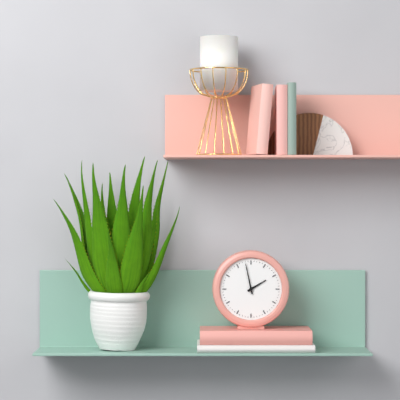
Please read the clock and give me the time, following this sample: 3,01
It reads 1,58
